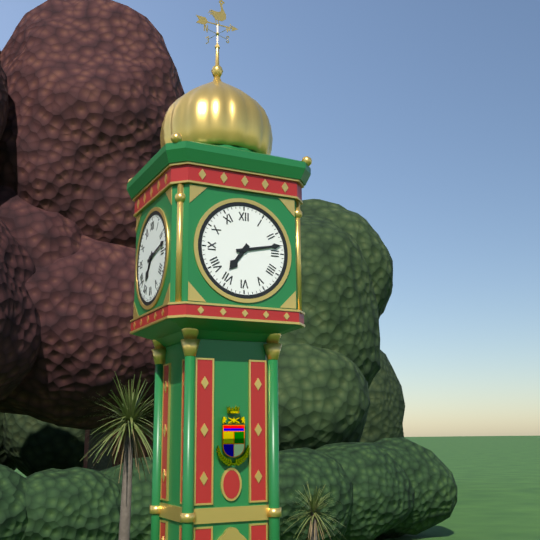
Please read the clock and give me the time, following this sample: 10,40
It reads 7,13
